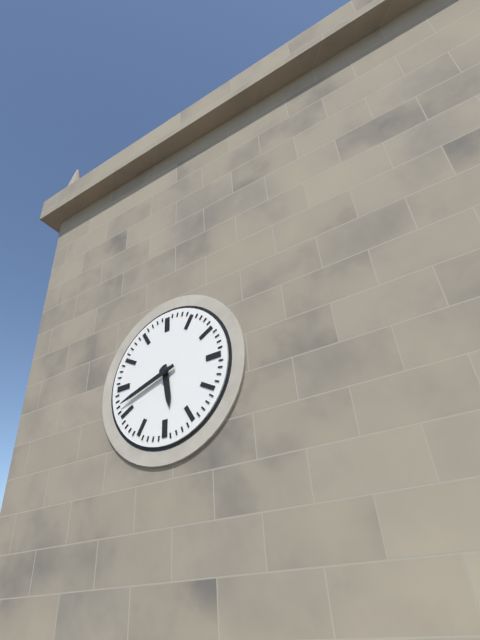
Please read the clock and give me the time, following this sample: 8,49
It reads 5,42
